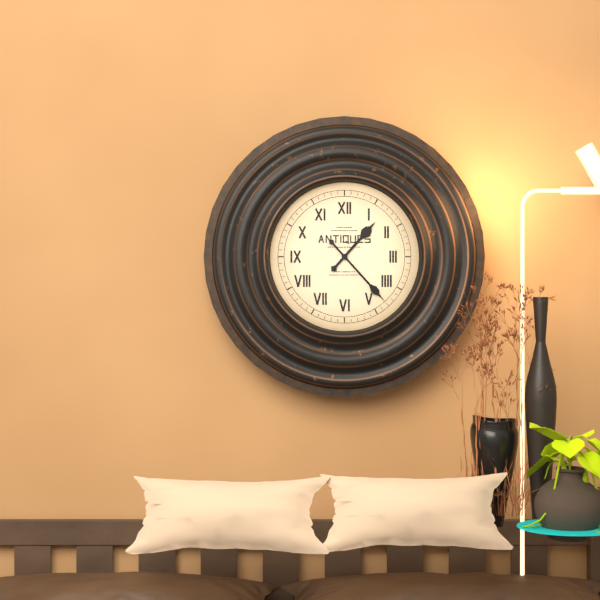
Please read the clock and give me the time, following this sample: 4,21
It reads 1,23
